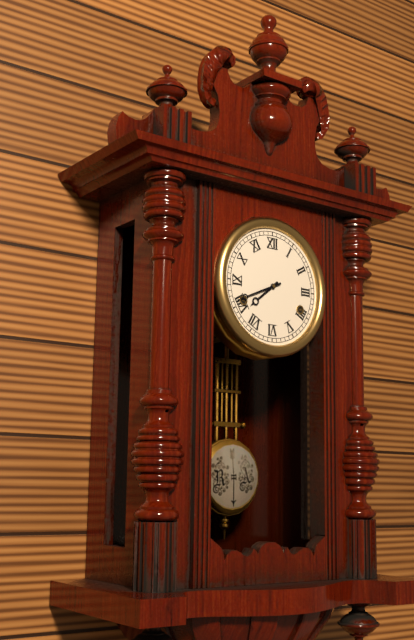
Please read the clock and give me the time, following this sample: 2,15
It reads 7,41
